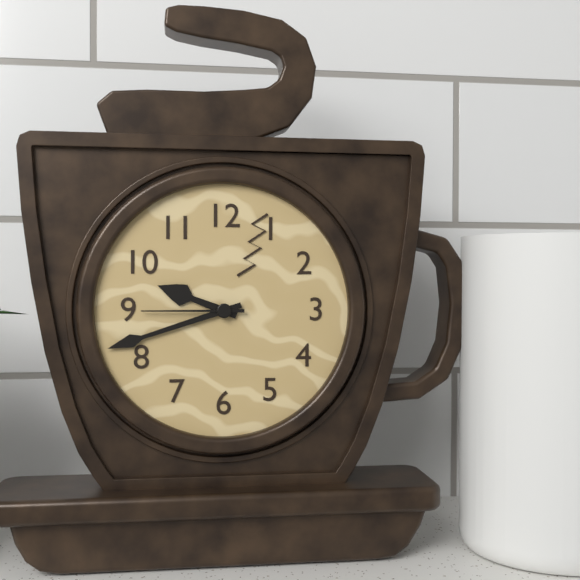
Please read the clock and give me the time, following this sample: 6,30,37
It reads 9,42,45
